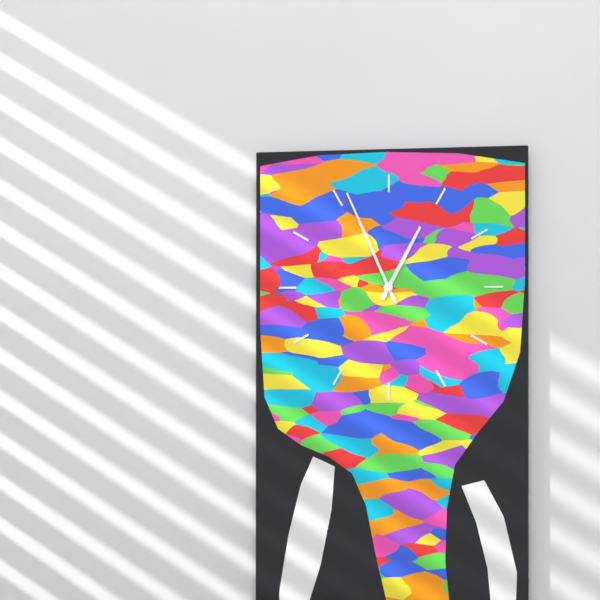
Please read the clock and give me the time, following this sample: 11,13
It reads 12,56
